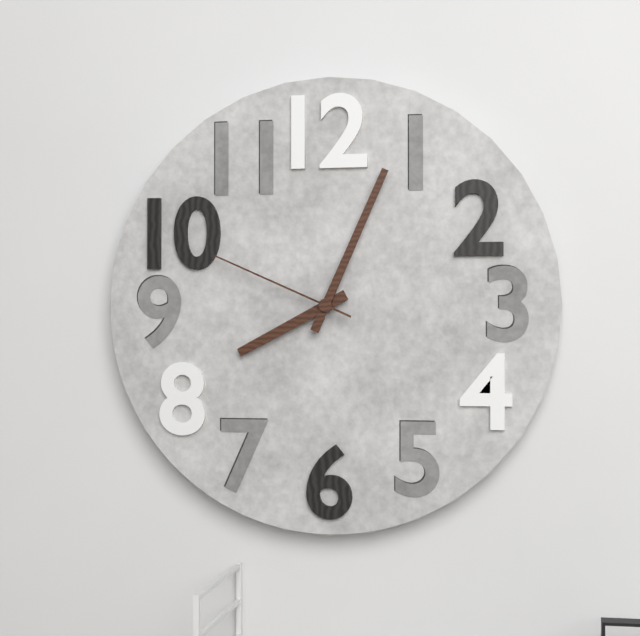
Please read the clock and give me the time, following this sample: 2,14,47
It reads 8,04,49
